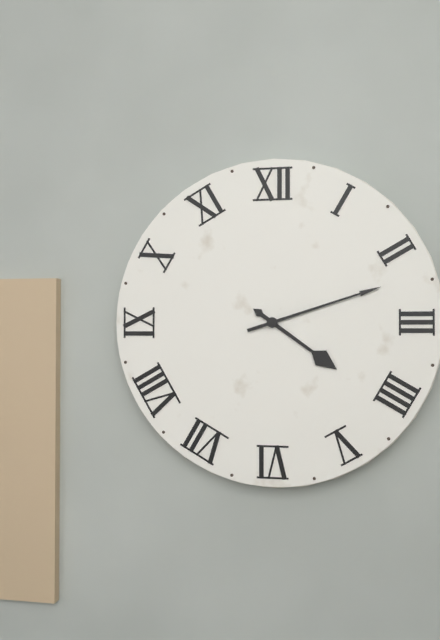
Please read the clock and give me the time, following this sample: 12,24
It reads 4,12
